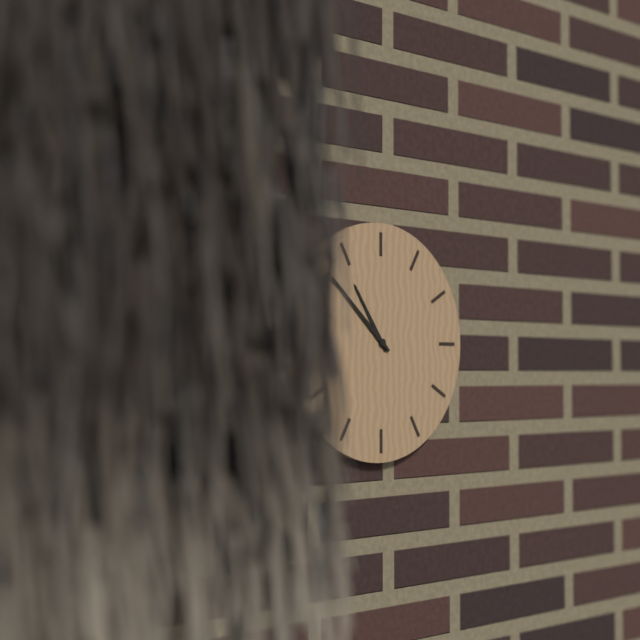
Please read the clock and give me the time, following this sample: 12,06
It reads 10,52
